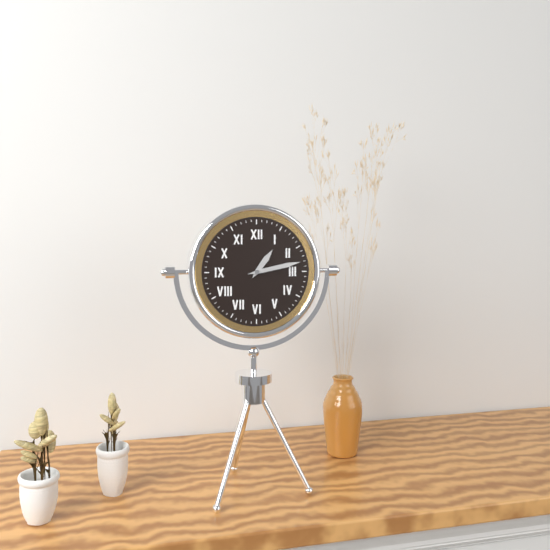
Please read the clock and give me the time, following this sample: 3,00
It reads 1,13
